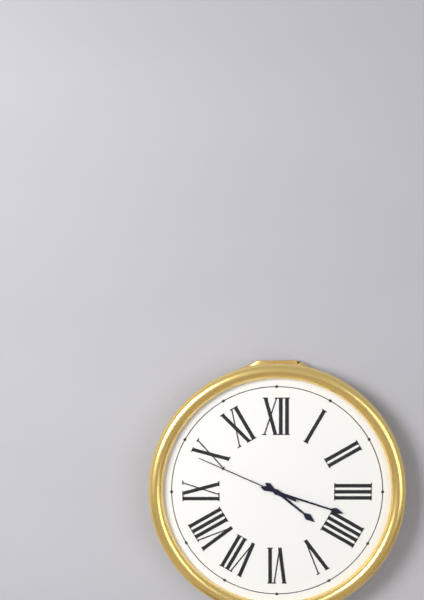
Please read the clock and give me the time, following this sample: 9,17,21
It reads 4,18,49
